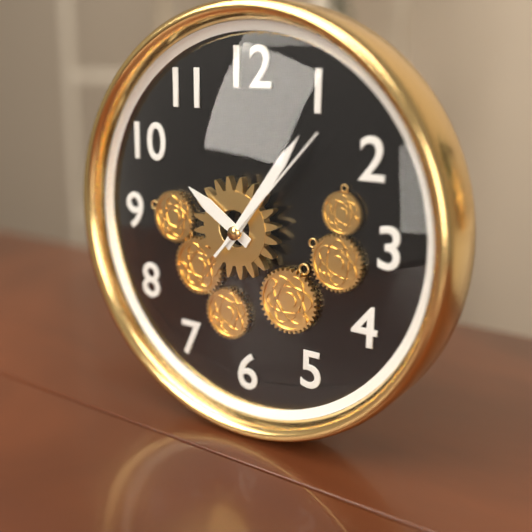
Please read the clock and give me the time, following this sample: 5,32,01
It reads 10,06,07
